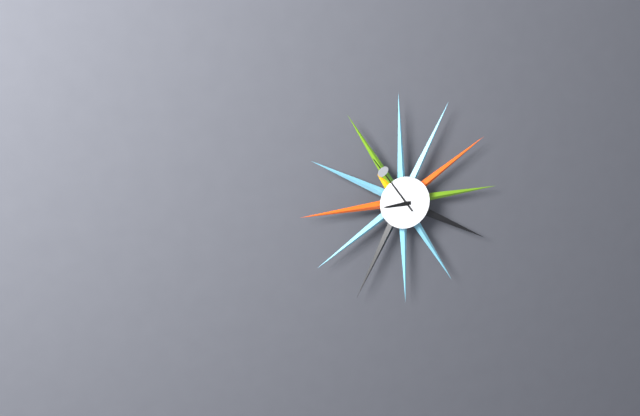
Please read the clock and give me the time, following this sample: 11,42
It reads 8,54
